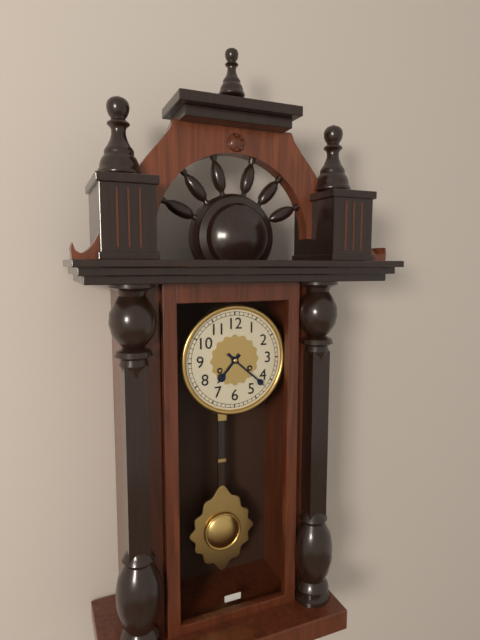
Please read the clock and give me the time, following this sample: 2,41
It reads 7,22
